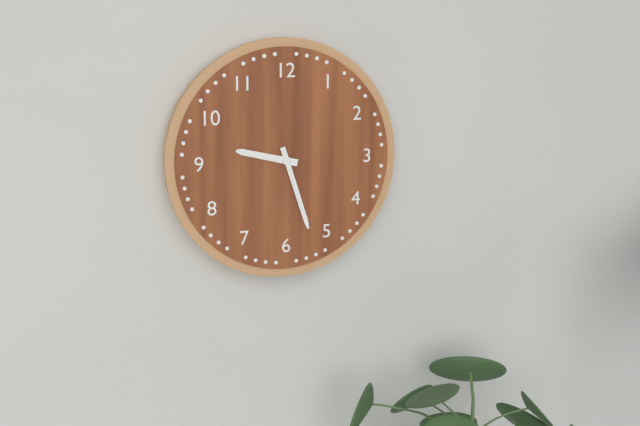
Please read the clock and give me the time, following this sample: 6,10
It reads 9,27
